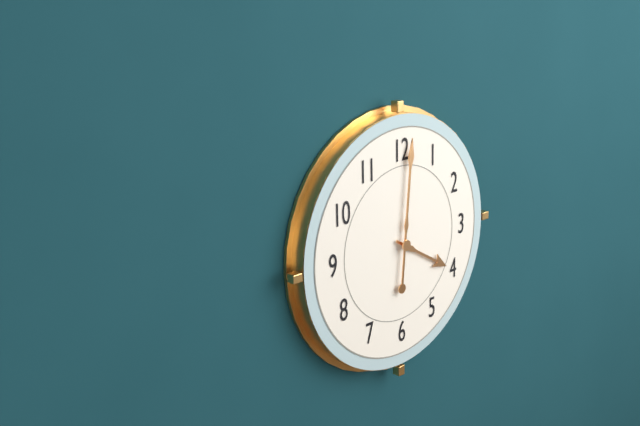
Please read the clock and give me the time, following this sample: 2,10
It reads 4,01
